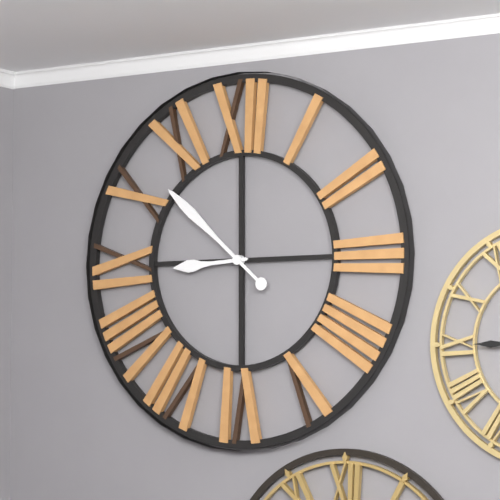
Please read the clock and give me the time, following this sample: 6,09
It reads 8,52
